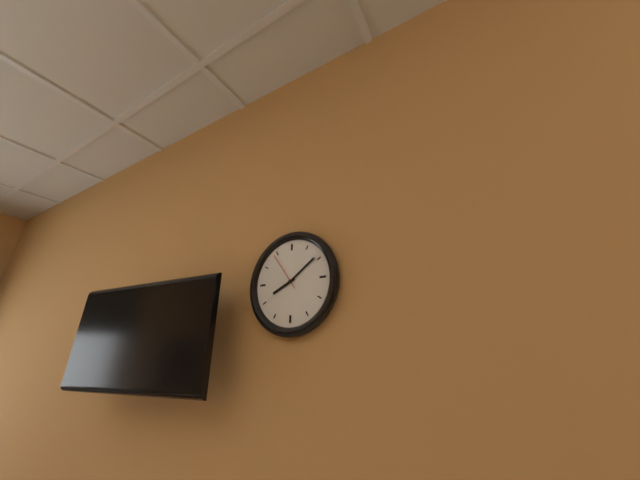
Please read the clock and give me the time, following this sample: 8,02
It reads 8,09
